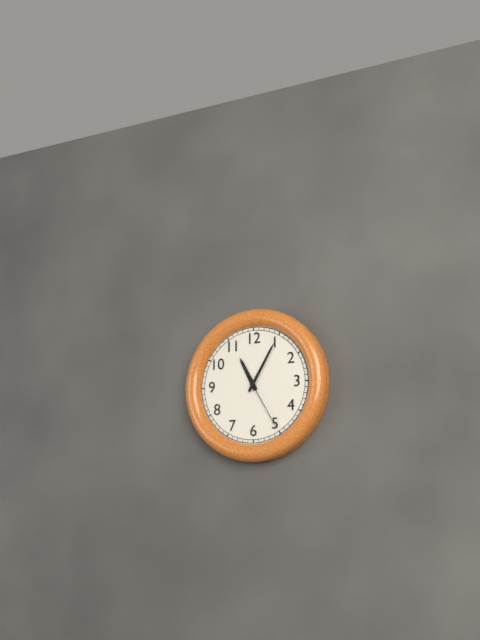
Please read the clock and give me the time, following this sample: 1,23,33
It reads 11,05,25
